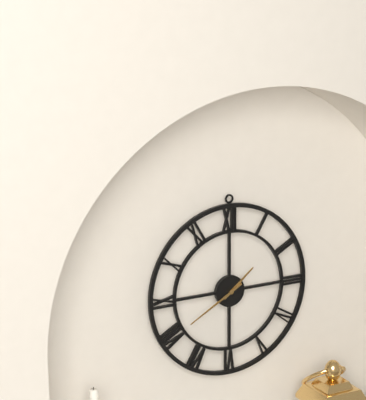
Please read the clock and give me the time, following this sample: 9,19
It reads 1,40
